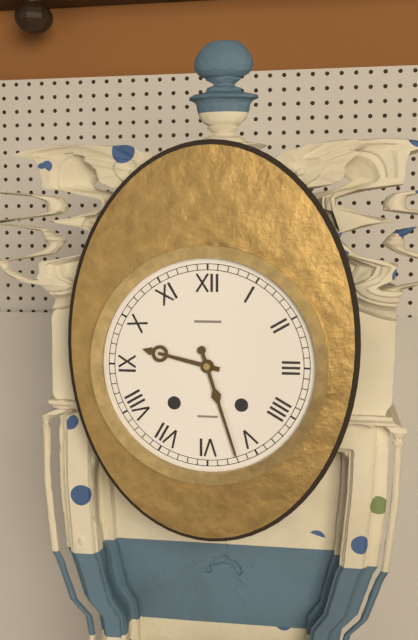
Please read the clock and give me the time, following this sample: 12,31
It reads 9,27
